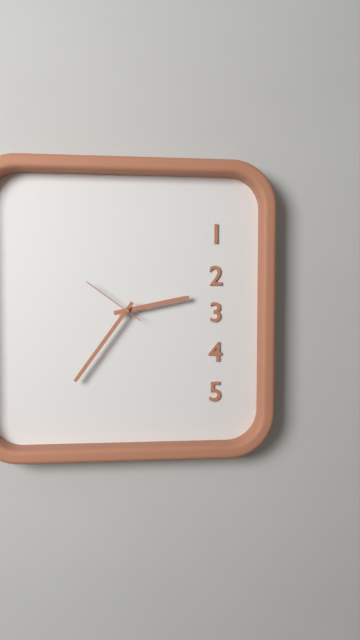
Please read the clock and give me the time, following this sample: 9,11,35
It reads 2,36,51
